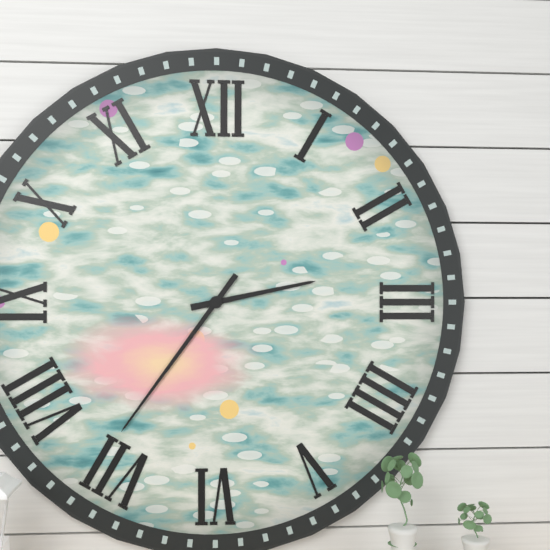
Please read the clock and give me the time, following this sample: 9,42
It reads 2,36
